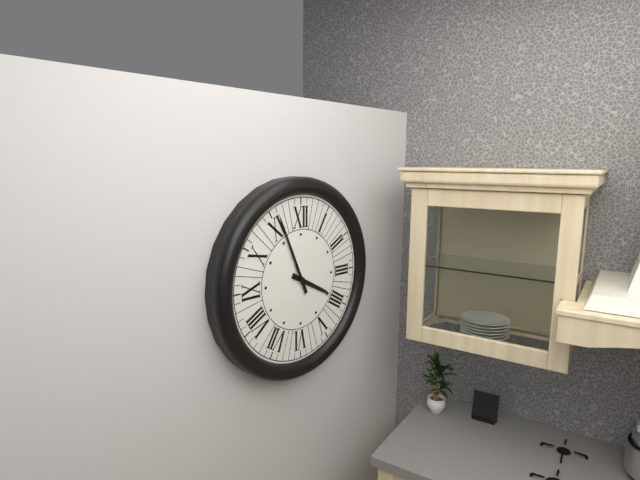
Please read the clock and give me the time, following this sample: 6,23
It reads 3,56
